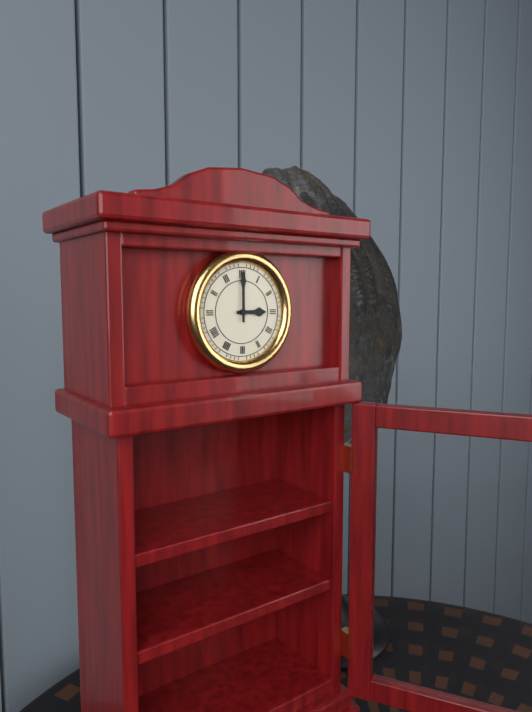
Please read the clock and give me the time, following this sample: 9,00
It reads 3,00
